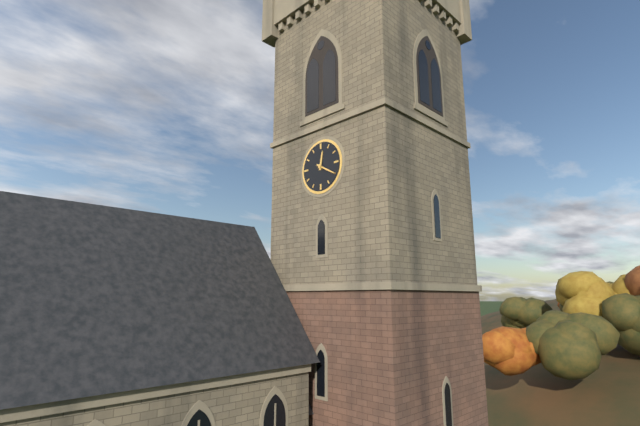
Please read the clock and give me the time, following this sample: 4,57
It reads 12,20
